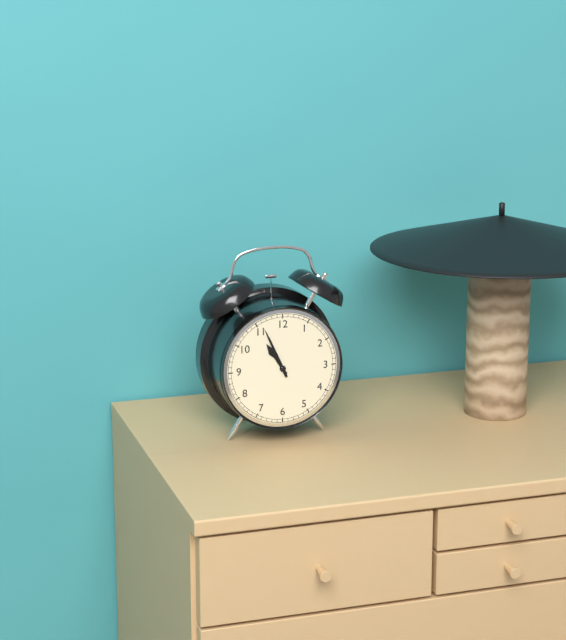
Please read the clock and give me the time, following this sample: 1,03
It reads 10,56
